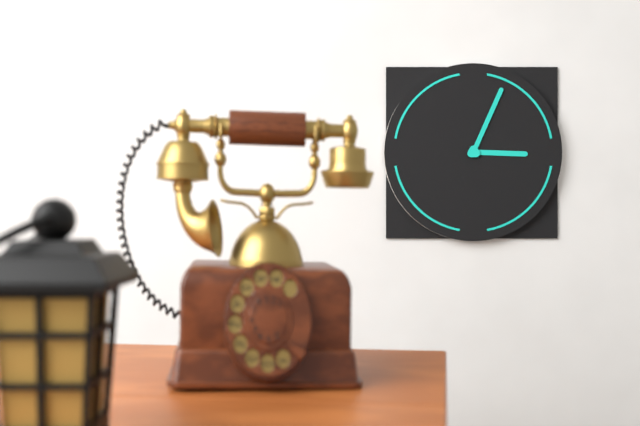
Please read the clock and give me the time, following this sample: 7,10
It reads 3,04
